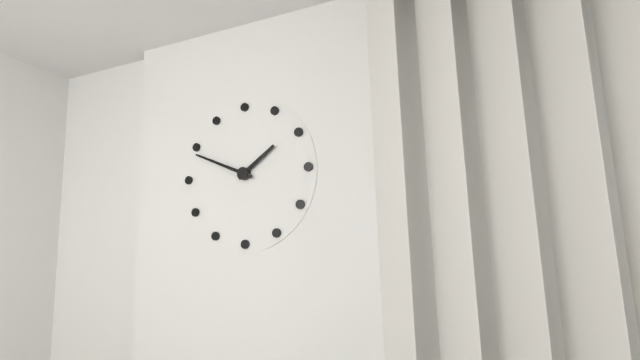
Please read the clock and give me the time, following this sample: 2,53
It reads 1,49
